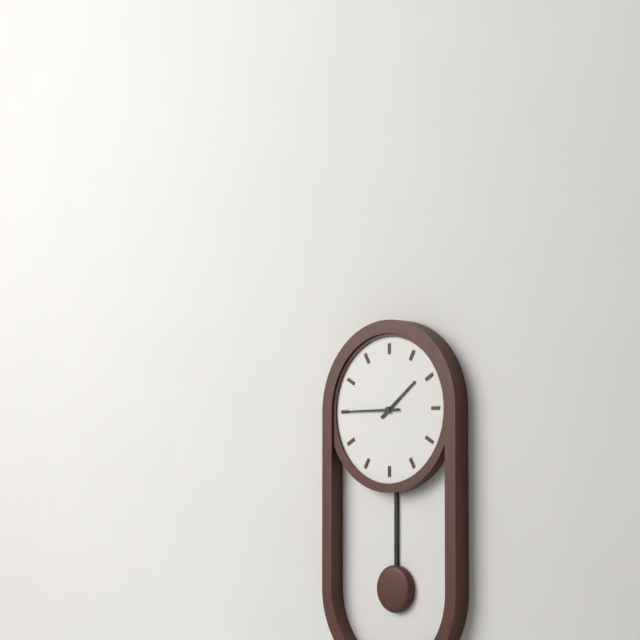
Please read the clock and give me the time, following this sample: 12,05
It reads 1,45
